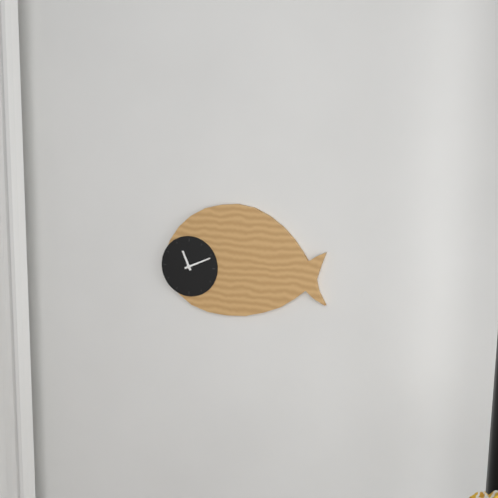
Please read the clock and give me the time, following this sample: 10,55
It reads 11,11
